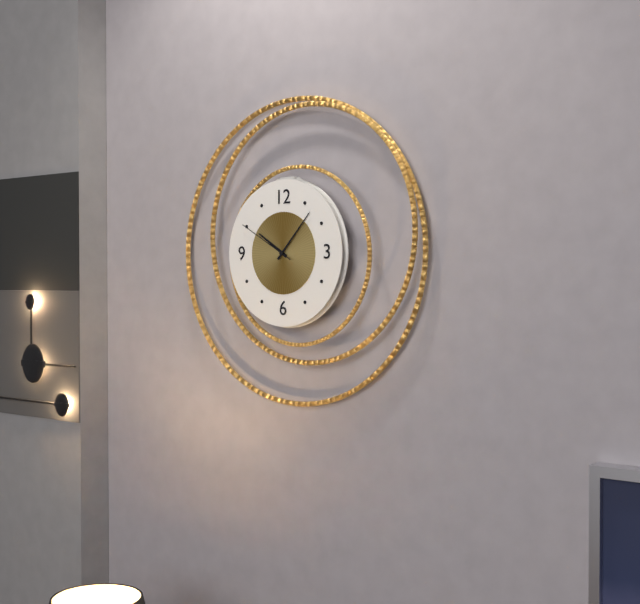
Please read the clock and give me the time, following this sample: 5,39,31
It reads 10,07,50
